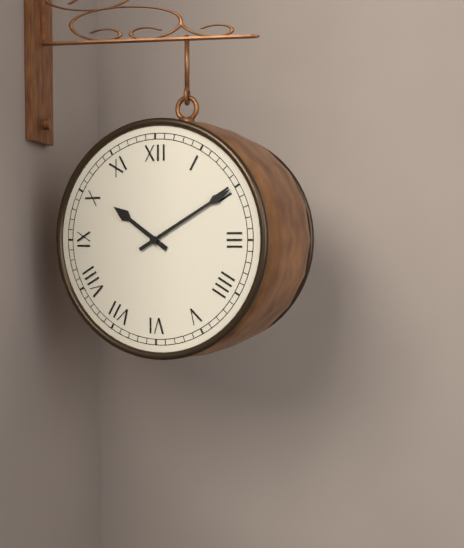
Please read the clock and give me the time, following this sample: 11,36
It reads 10,10
